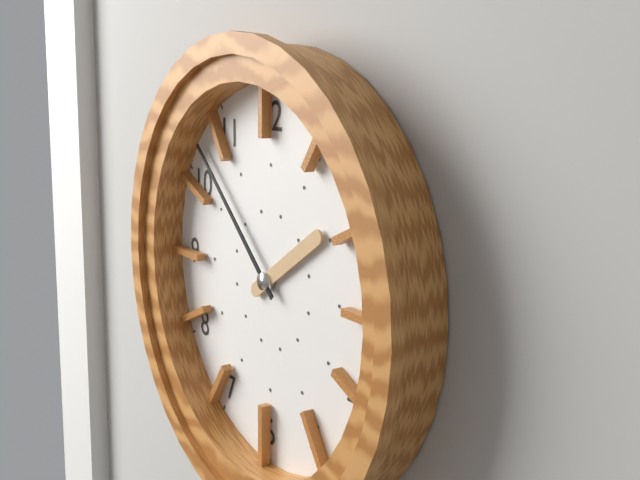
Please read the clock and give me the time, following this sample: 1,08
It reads 1,52
